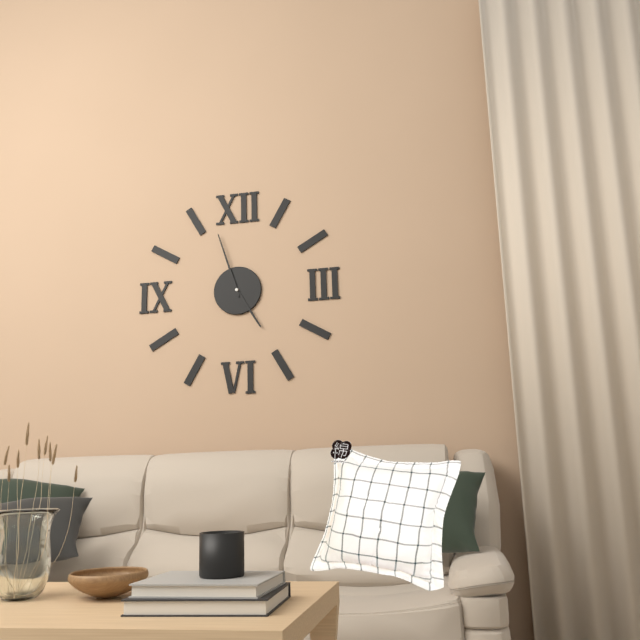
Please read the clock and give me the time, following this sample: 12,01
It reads 4,57
